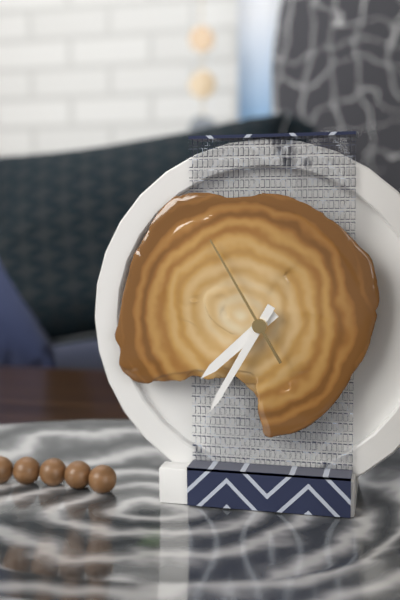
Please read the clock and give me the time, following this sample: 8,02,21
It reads 7,35,55
